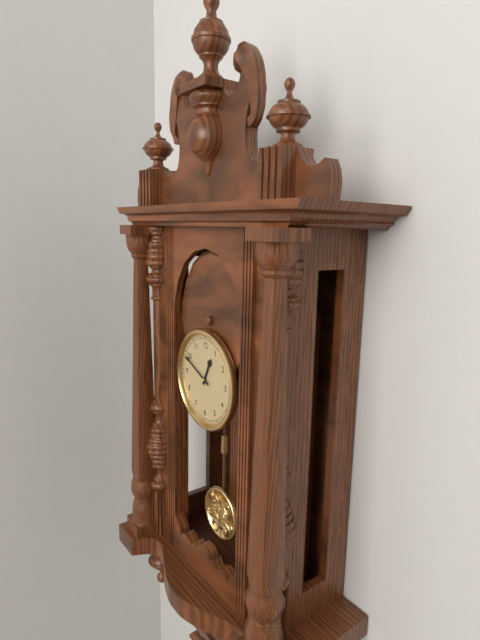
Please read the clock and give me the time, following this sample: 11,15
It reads 12,49
